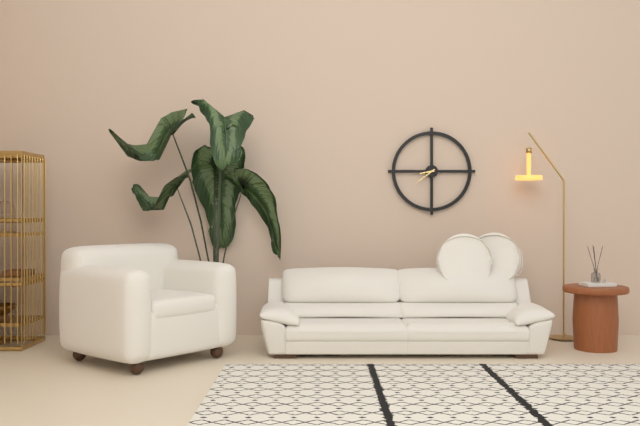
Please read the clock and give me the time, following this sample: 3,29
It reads 8,39
